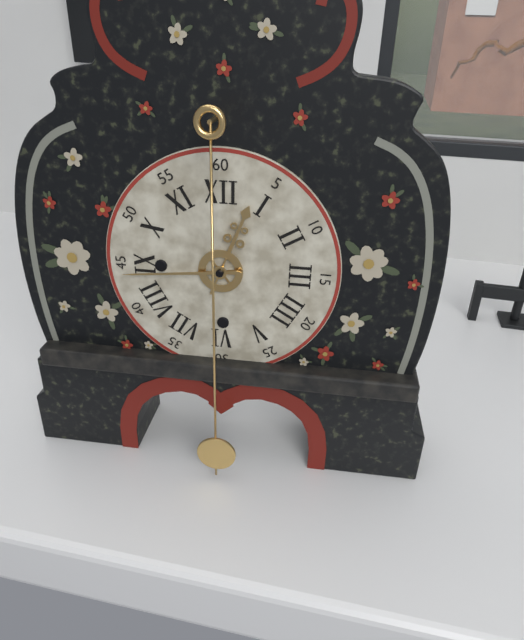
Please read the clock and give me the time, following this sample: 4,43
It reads 12,44
